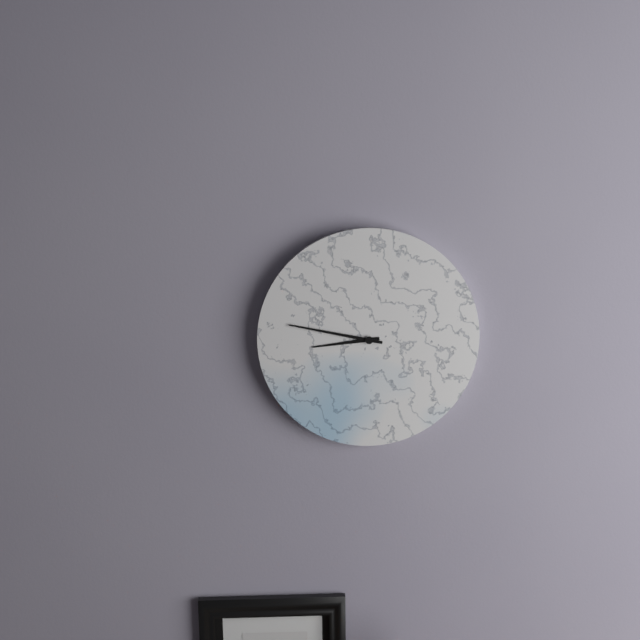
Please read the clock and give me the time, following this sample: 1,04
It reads 8,47
